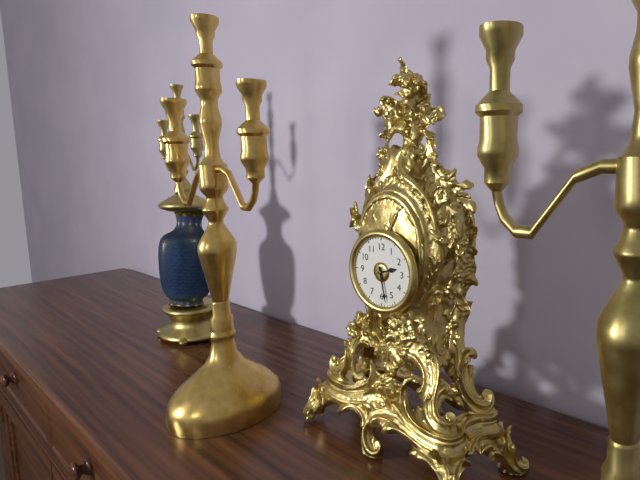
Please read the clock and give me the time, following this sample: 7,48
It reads 2,28
